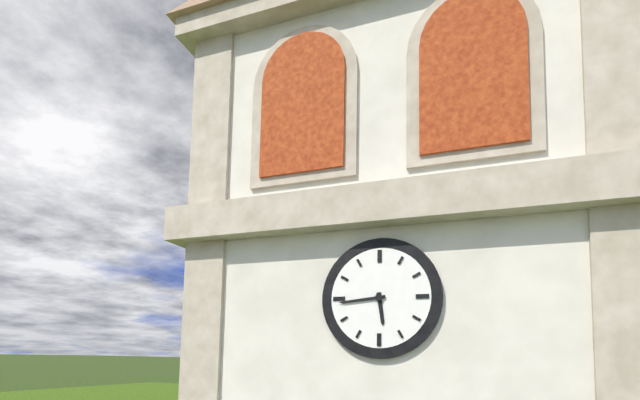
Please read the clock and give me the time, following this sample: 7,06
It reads 5,44
